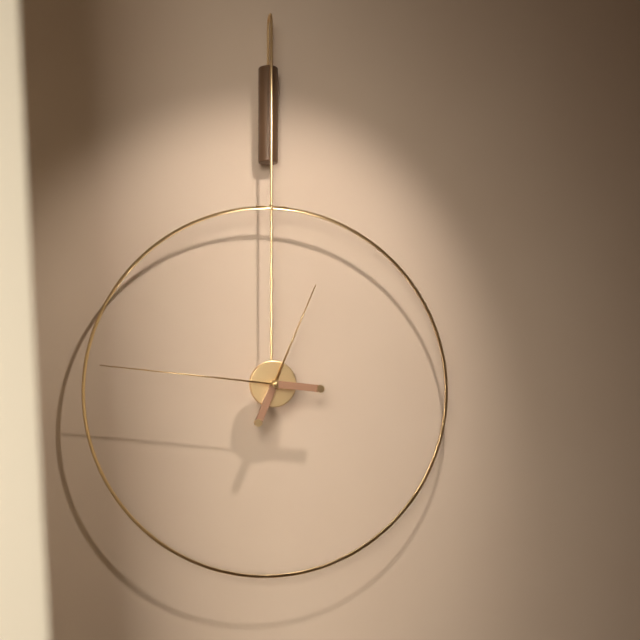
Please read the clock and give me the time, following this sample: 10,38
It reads 12,46
